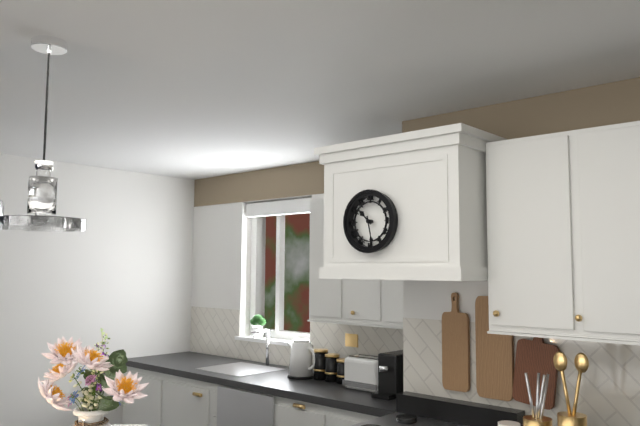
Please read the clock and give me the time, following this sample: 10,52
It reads 10,28
